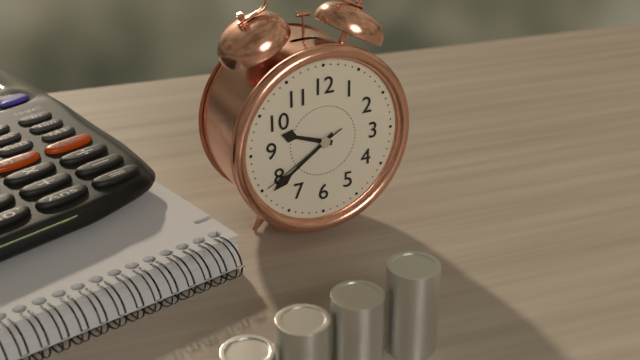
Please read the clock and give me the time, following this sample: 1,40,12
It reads 9,39,40
